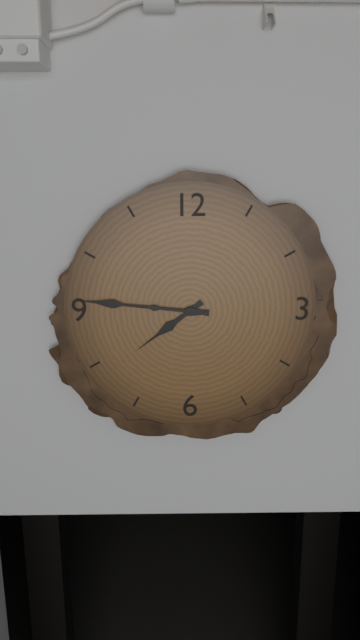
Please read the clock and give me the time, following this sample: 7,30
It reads 7,46
